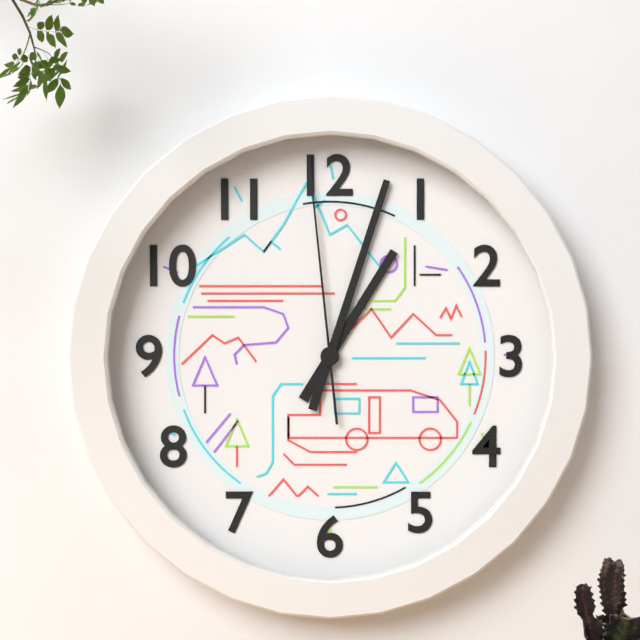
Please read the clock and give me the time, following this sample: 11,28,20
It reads 1,03,59
